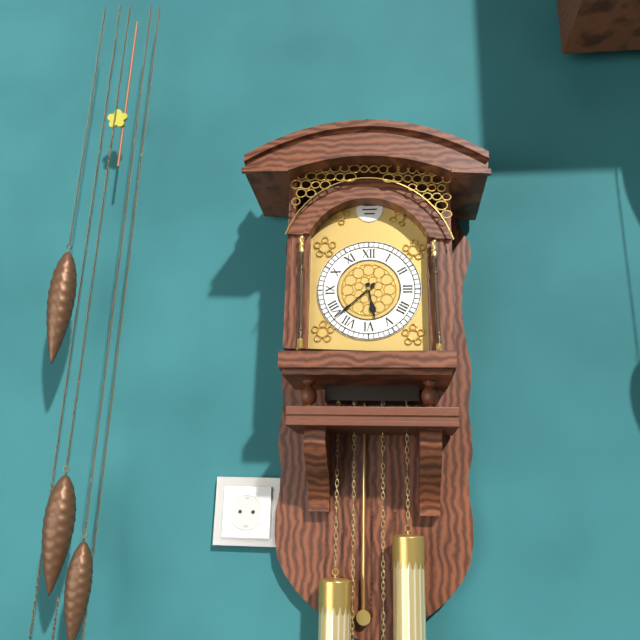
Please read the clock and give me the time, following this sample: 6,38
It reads 5,38
